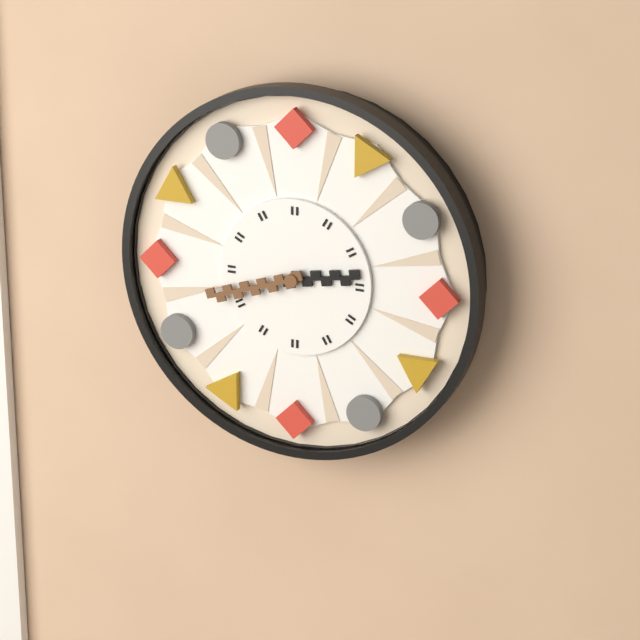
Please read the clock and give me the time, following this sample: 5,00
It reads 2,42
